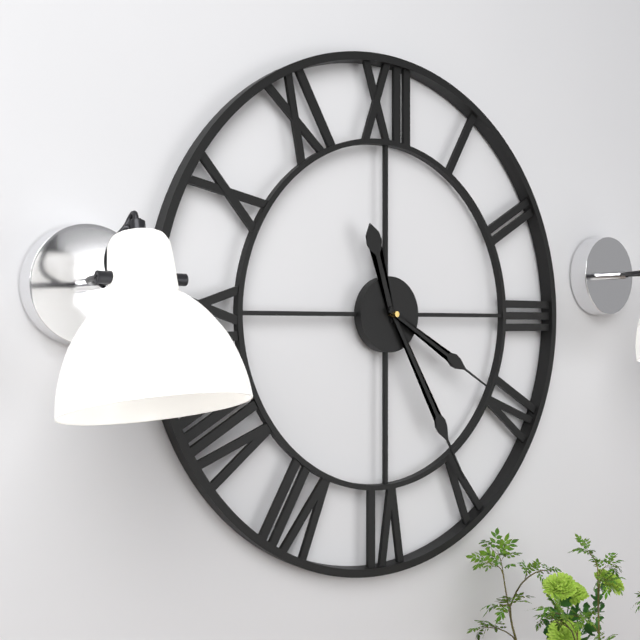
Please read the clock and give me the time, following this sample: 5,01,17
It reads 11,25,20
